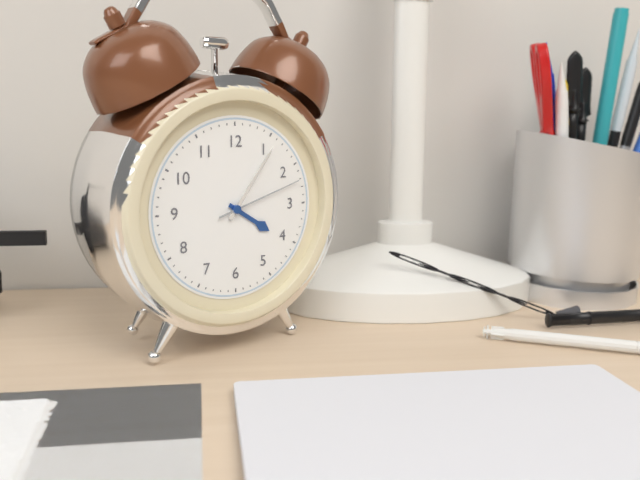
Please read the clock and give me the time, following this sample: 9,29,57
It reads 4,06,12
